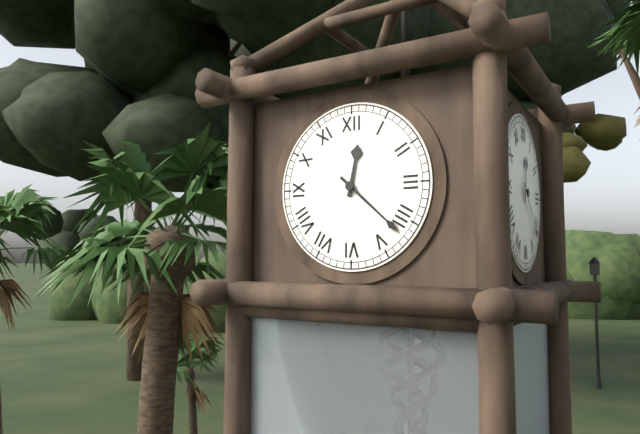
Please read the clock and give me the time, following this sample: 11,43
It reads 12,22
